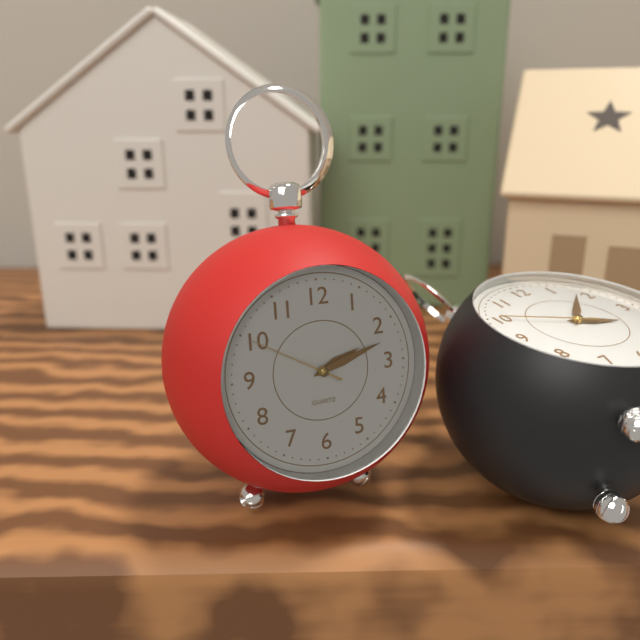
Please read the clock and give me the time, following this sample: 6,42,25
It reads 2,12,50
